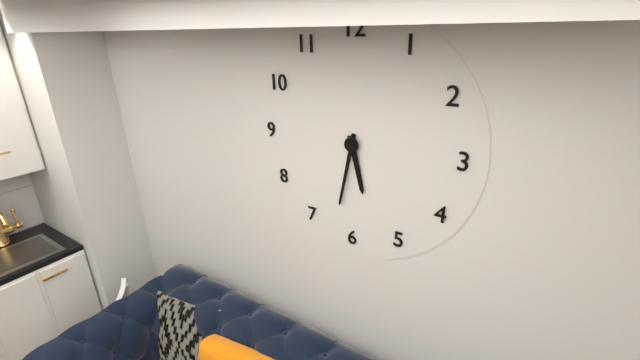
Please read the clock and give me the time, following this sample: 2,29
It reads 5,32
